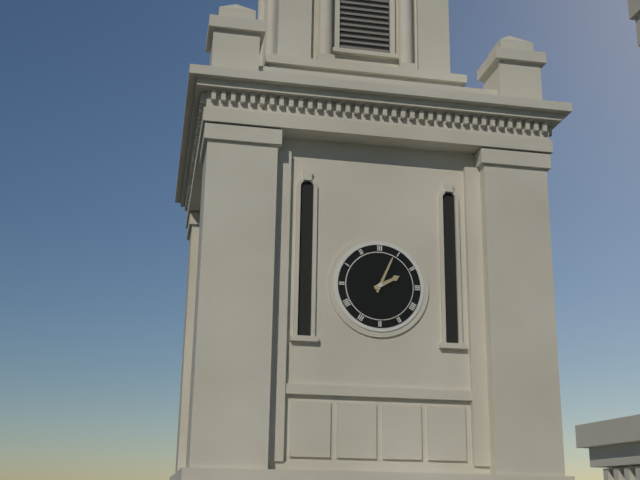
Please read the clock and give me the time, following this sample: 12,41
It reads 2,04
